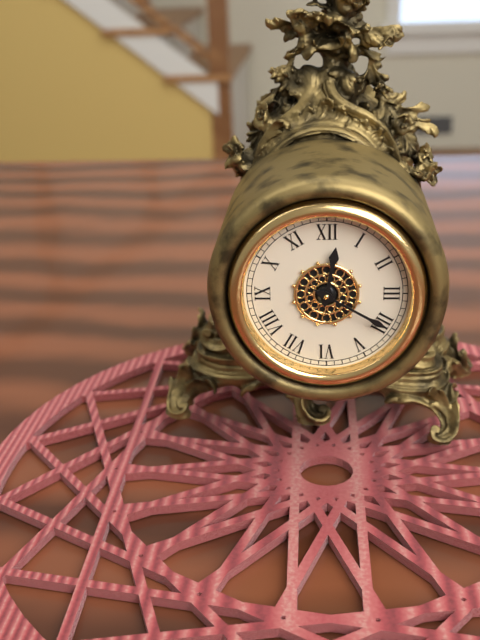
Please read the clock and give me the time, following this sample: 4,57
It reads 12,20
